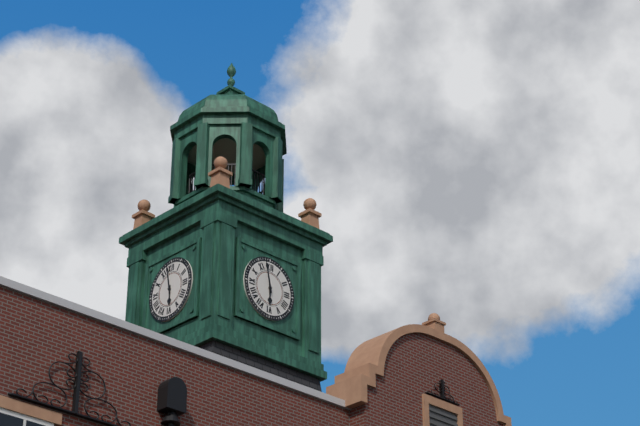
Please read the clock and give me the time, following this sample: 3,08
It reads 5,58
